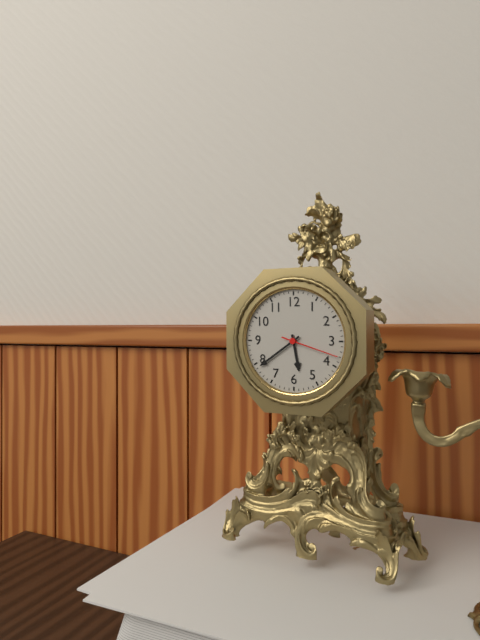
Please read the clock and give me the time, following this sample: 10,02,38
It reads 5,39,18
